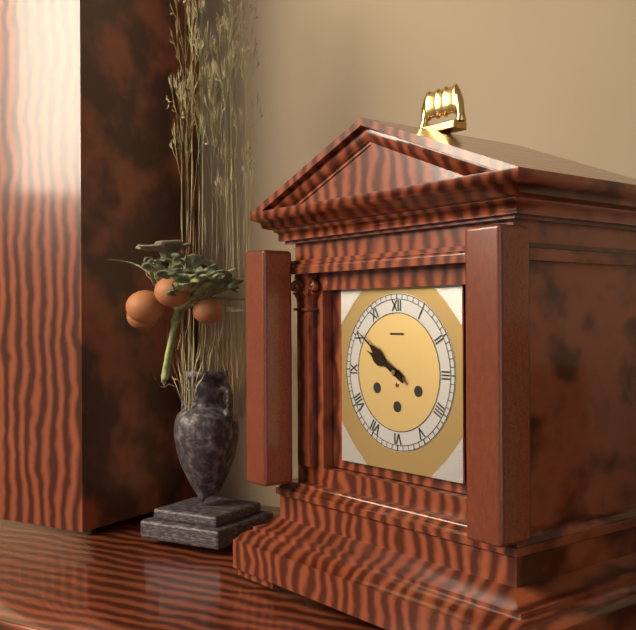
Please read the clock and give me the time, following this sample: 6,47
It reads 9,51
